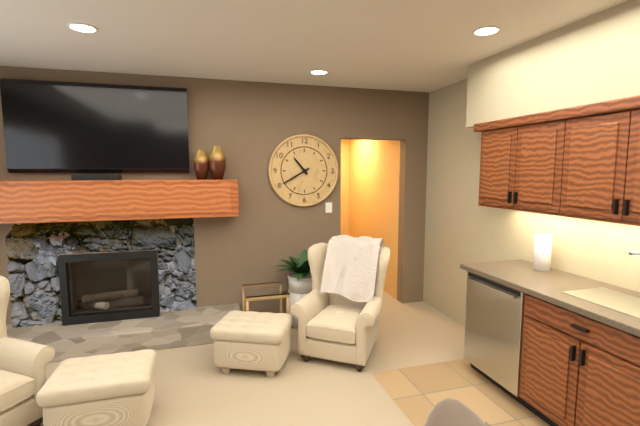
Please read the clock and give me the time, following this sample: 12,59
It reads 10,40
